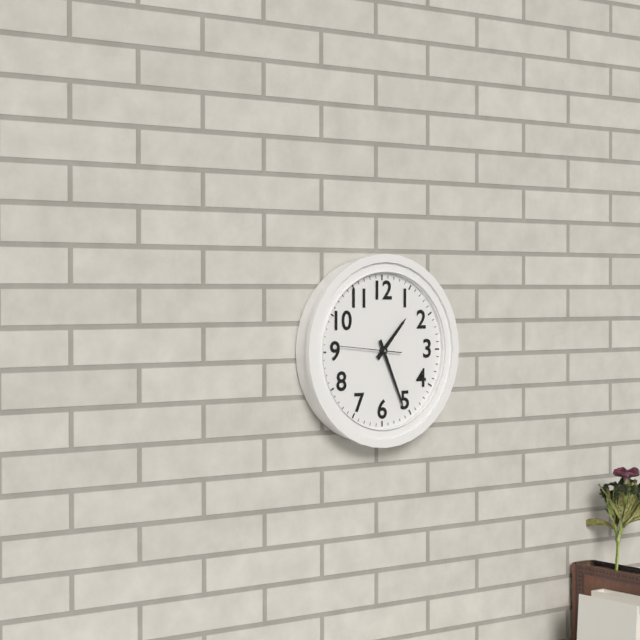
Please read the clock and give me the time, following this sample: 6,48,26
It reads 1,26,46
